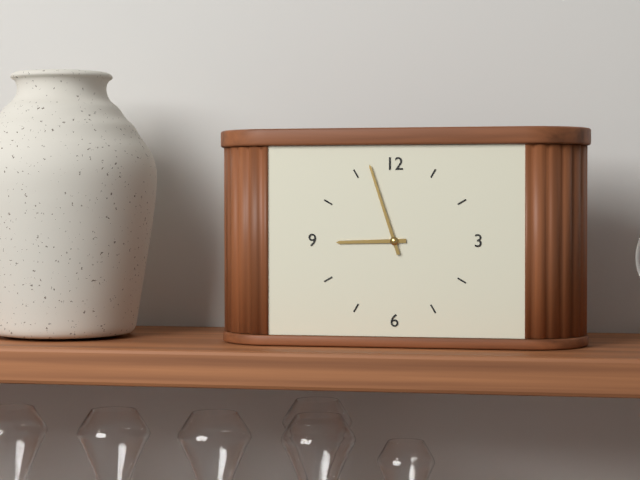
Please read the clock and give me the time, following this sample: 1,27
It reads 8,57
